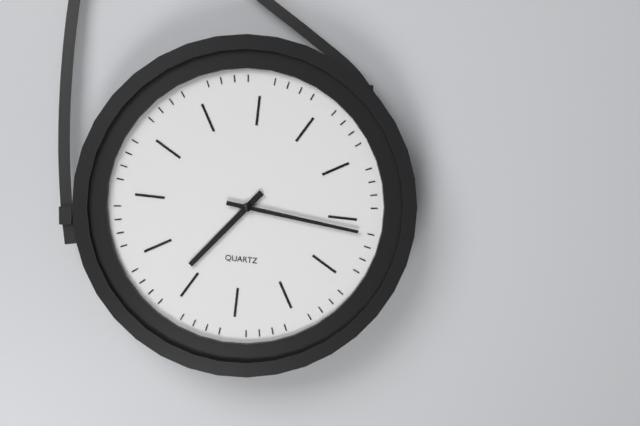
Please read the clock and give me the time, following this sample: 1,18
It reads 7,16
